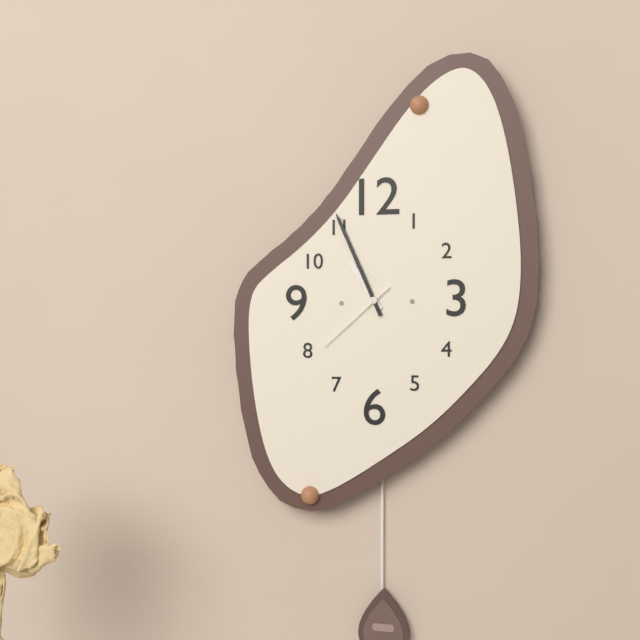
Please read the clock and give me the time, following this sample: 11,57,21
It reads 10,56,38
